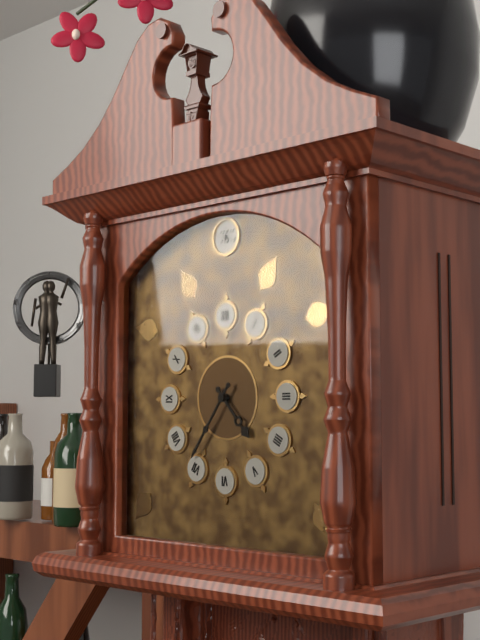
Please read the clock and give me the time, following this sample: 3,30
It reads 4,36
